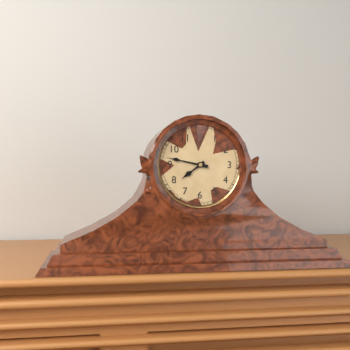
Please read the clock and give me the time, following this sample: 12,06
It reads 7,47
